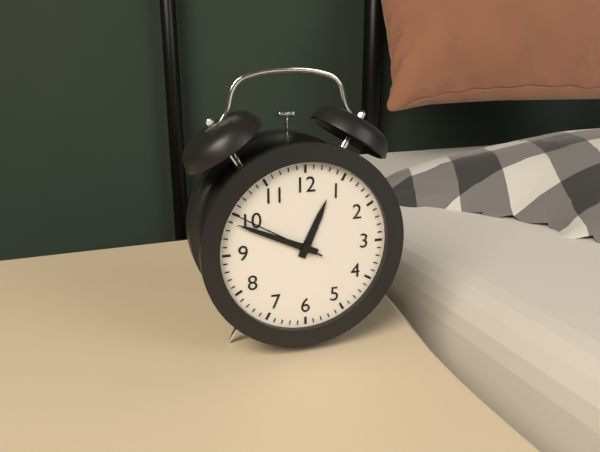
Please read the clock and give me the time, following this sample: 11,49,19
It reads 12,49,50
